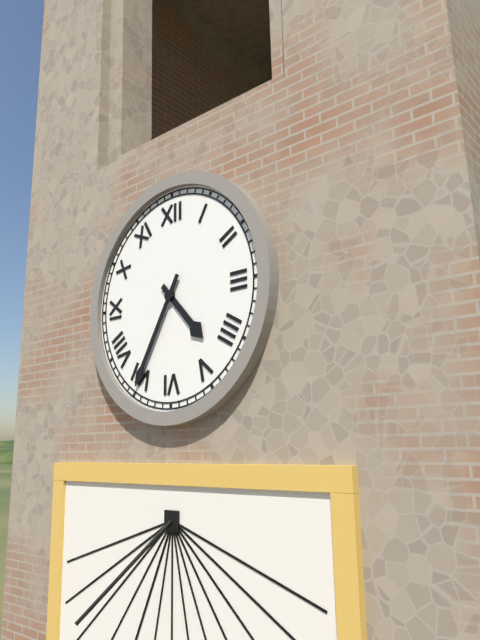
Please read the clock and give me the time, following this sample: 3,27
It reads 4,35
